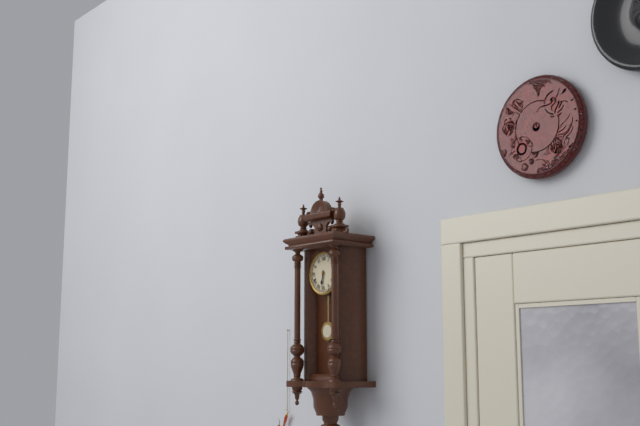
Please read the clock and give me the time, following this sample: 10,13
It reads 6,31
